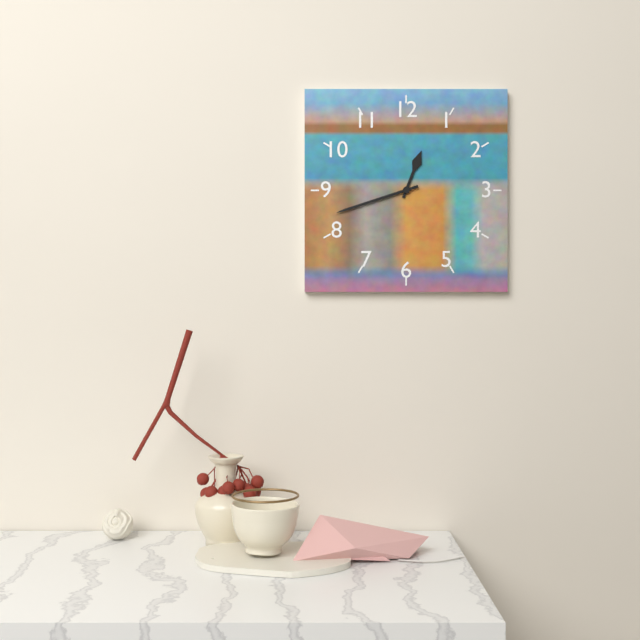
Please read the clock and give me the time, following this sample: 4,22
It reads 12,42
